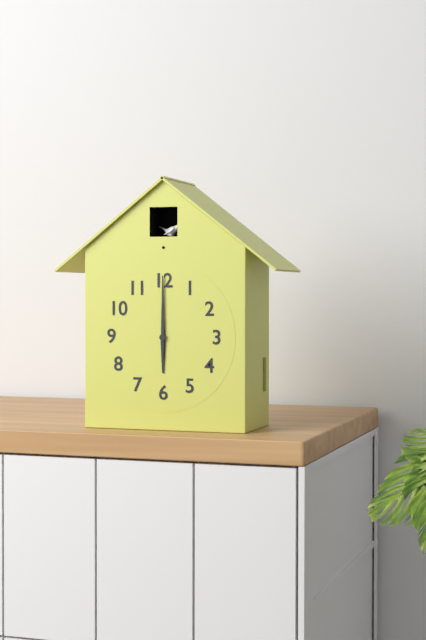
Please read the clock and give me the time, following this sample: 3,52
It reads 6,00
